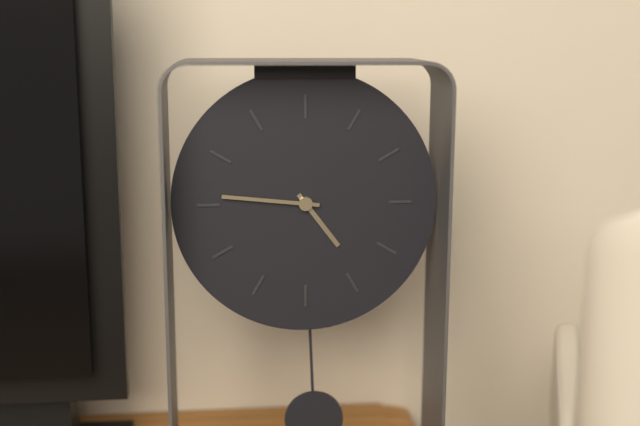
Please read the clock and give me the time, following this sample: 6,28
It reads 4,46
